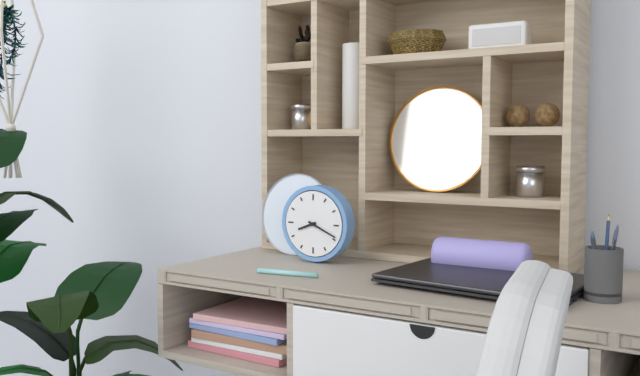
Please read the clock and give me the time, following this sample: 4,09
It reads 8,19
